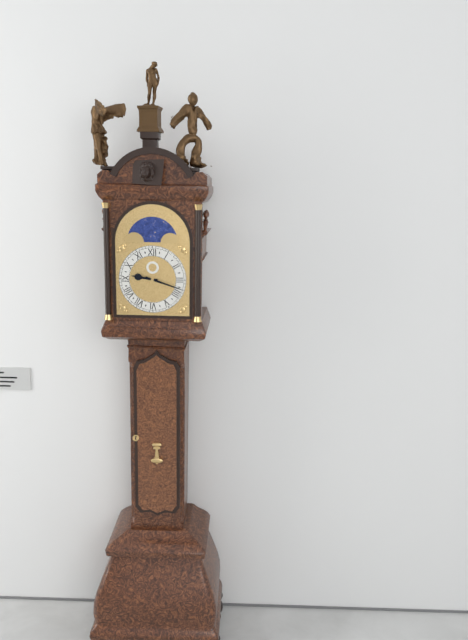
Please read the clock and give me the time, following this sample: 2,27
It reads 9,18
